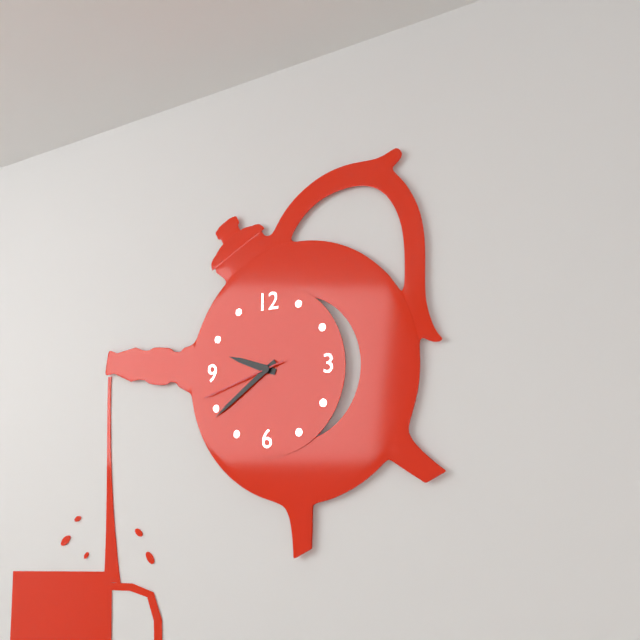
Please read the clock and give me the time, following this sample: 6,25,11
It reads 9,39,42
